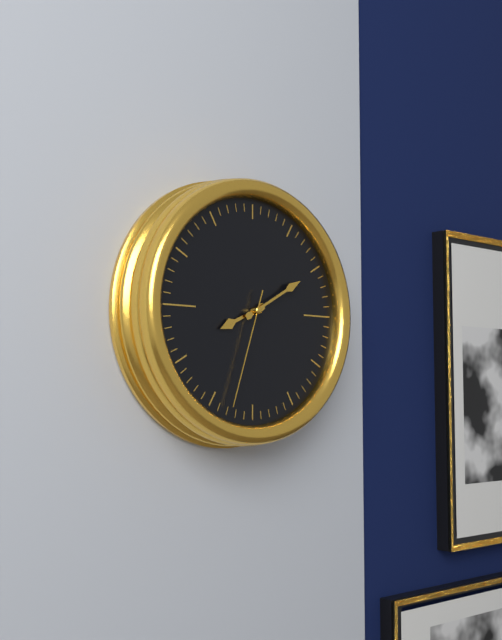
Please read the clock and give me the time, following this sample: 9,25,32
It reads 8,10,33
